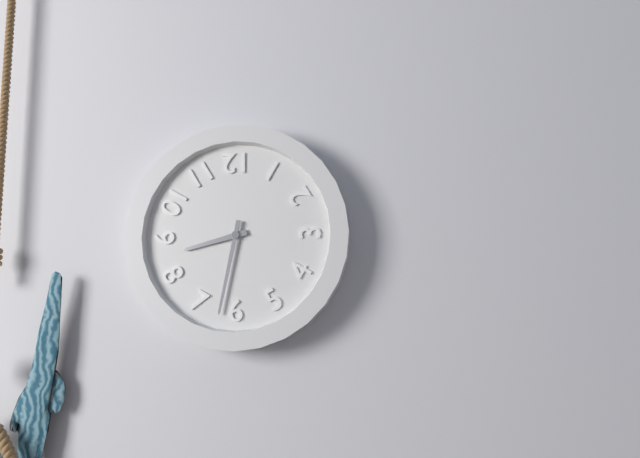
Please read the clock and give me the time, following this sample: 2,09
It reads 8,32
